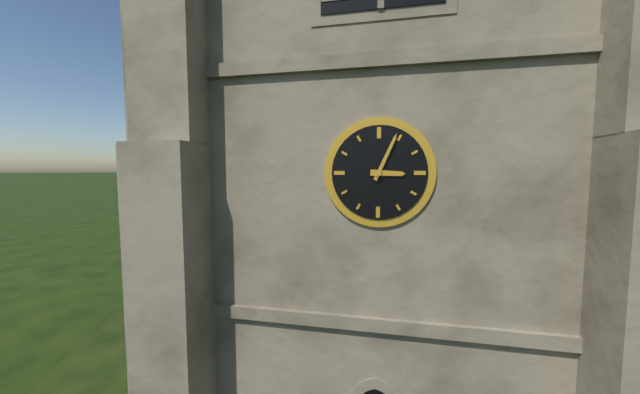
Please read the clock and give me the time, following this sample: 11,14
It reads 3,04
